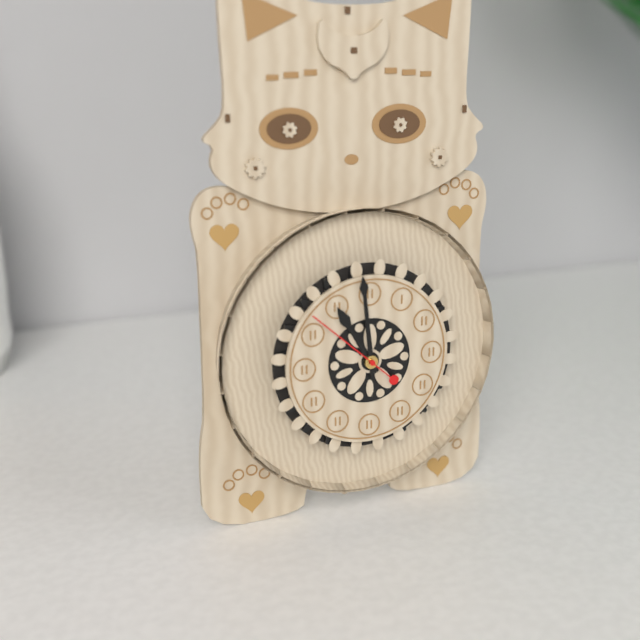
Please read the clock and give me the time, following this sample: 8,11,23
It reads 10,59,52
